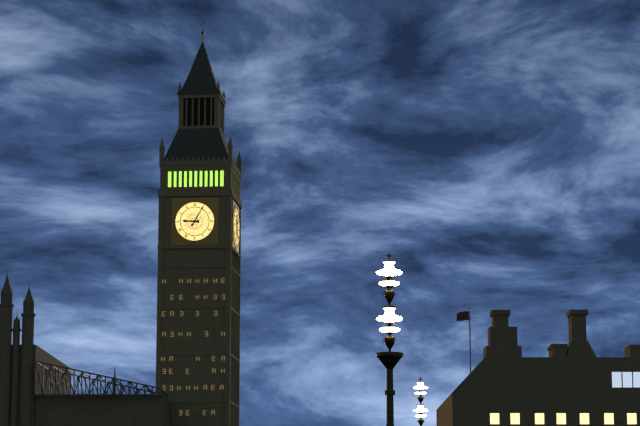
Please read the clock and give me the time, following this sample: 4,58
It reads 9,05
